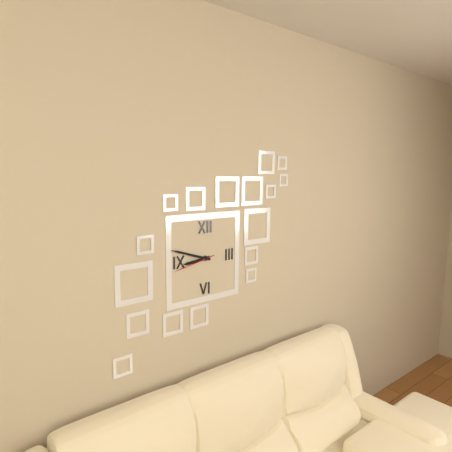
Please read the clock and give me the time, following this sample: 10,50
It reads 8,48
